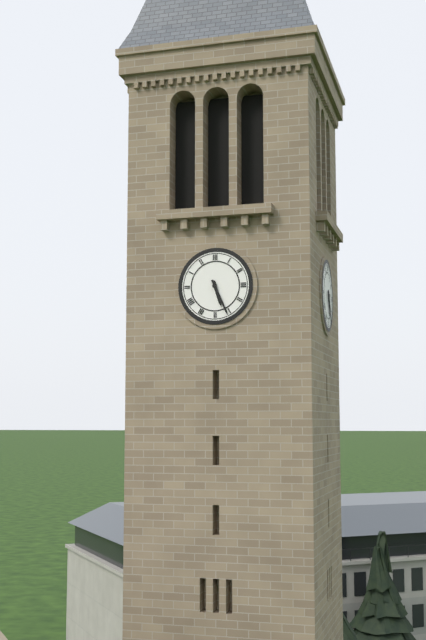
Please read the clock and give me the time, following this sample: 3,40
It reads 5,26
